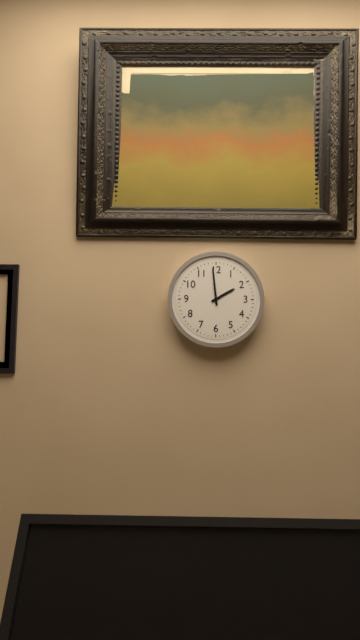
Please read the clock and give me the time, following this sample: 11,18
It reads 1,59
